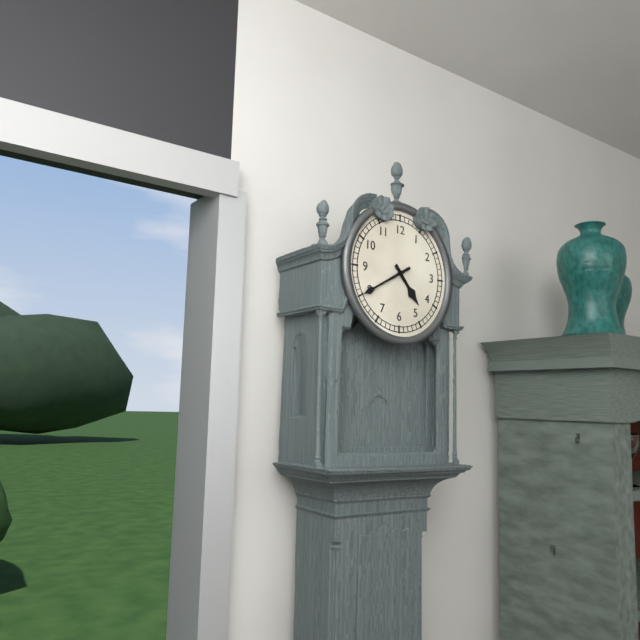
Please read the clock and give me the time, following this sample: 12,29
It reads 4,40
